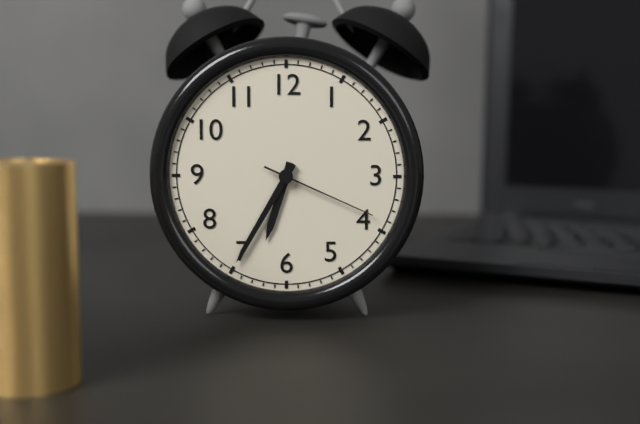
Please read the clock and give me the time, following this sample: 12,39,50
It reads 6,35,19
